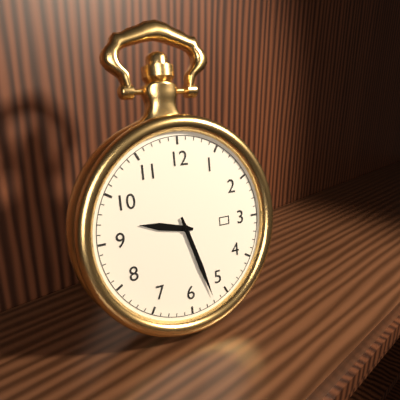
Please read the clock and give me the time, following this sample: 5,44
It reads 9,27
